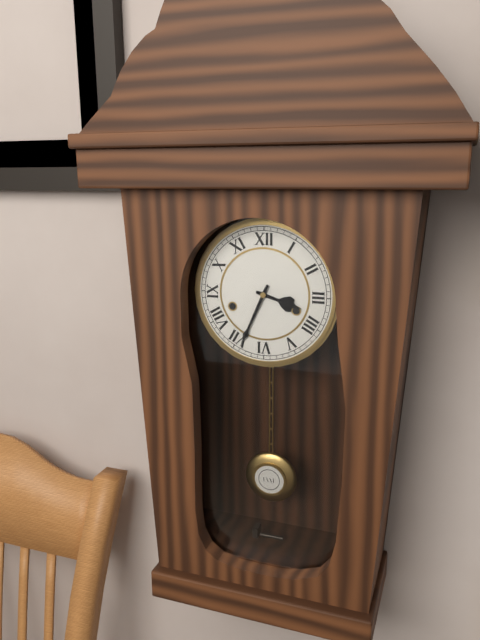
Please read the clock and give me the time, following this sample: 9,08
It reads 3,34
